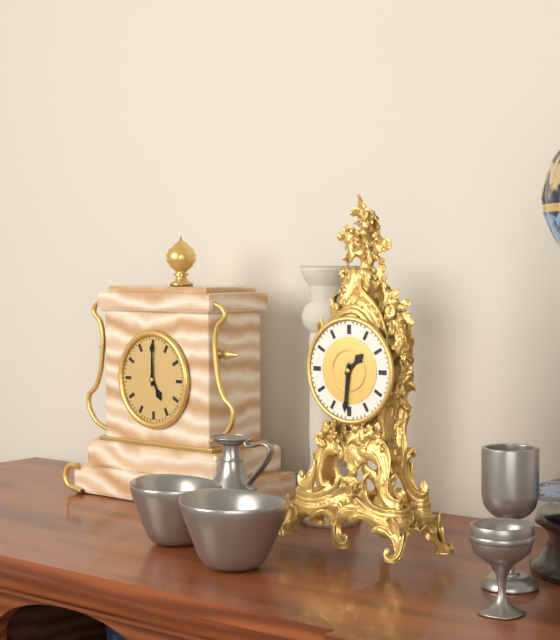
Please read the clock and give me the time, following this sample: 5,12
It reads 1,31
